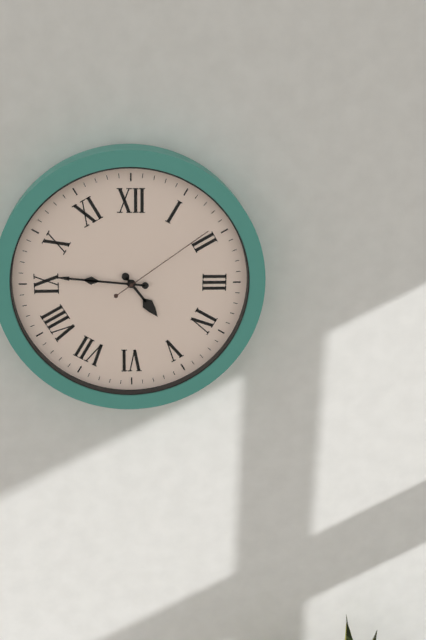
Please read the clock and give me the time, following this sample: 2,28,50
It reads 4,46,09
